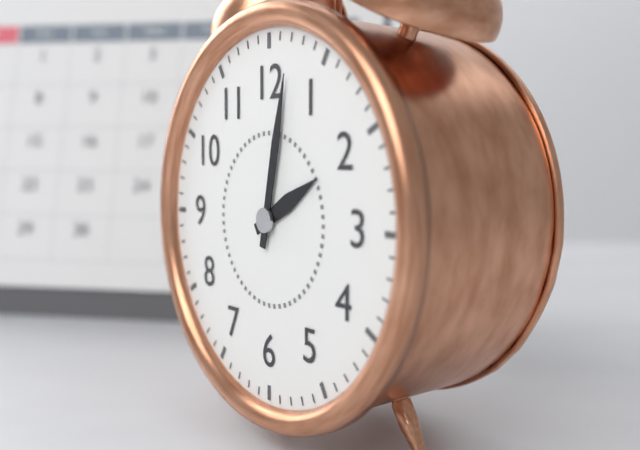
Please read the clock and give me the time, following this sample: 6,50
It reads 2,02
